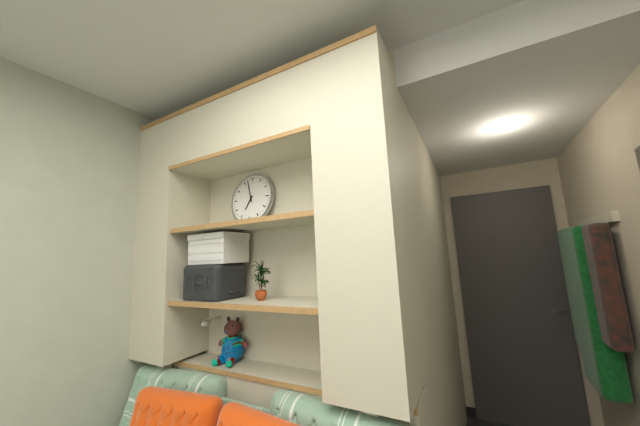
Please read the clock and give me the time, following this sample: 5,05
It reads 6,57
